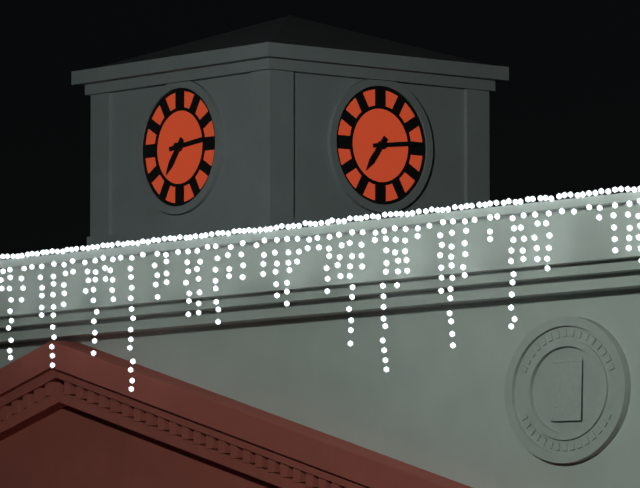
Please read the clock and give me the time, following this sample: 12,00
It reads 7,14
